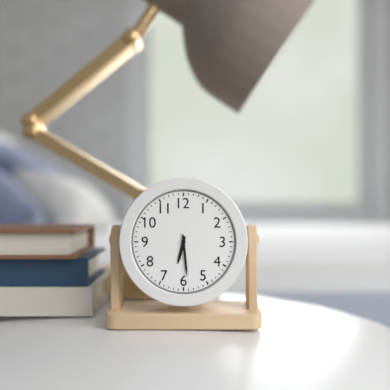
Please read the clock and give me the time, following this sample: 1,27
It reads 6,29
